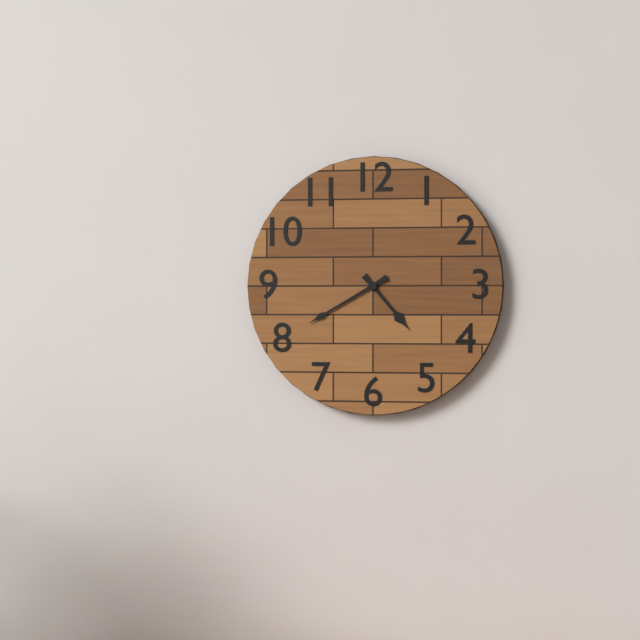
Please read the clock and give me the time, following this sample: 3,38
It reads 4,40
